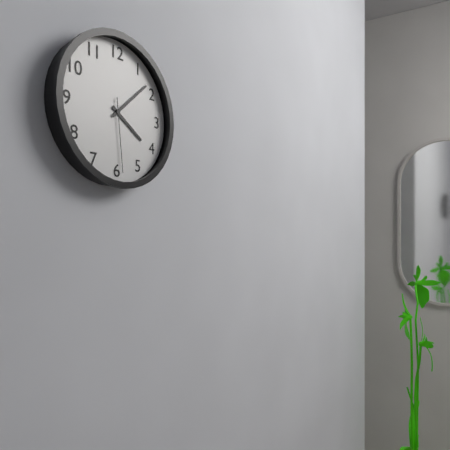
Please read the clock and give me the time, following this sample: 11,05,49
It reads 4,08,29
